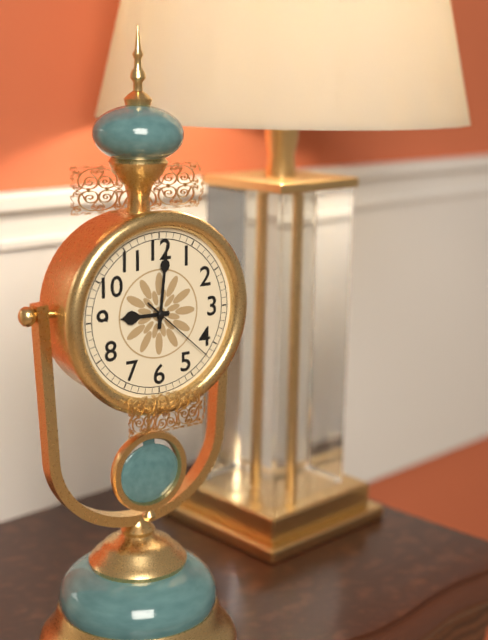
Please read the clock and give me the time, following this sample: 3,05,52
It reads 9,01,22
